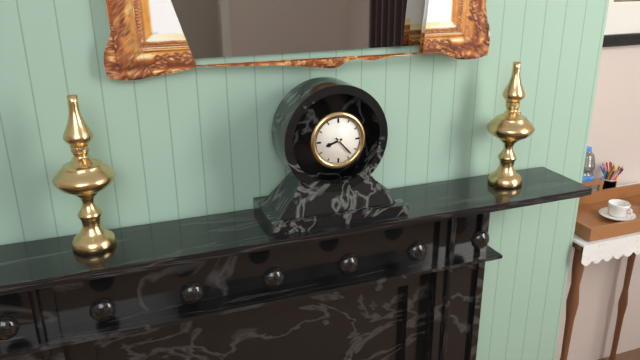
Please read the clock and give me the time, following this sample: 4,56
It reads 8,23
